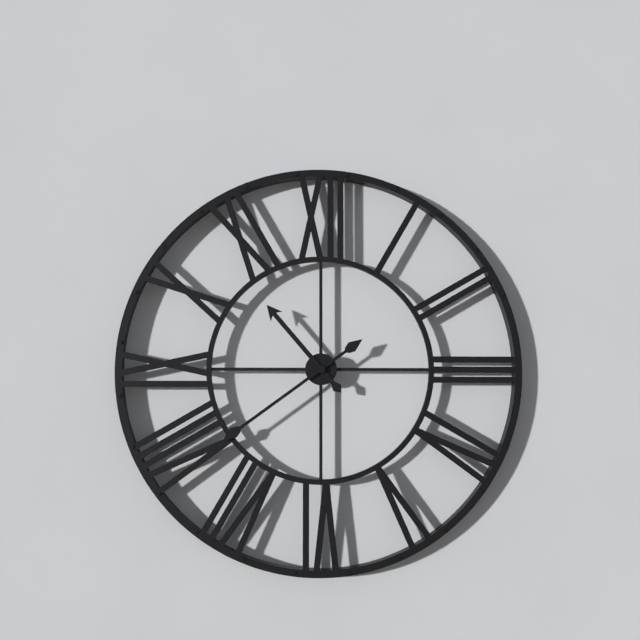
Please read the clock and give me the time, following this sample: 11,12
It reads 10,39
